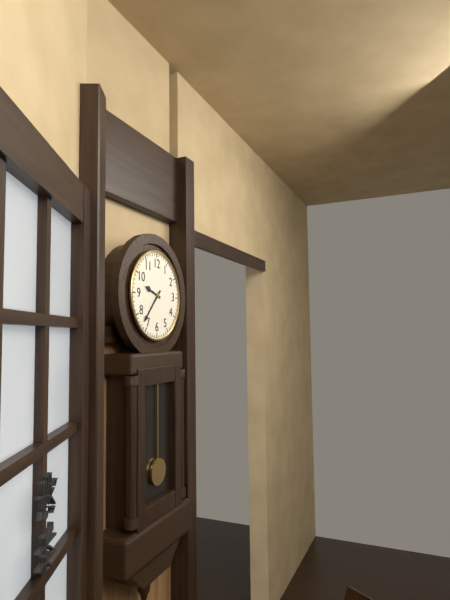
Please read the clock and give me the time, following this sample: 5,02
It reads 9,37
